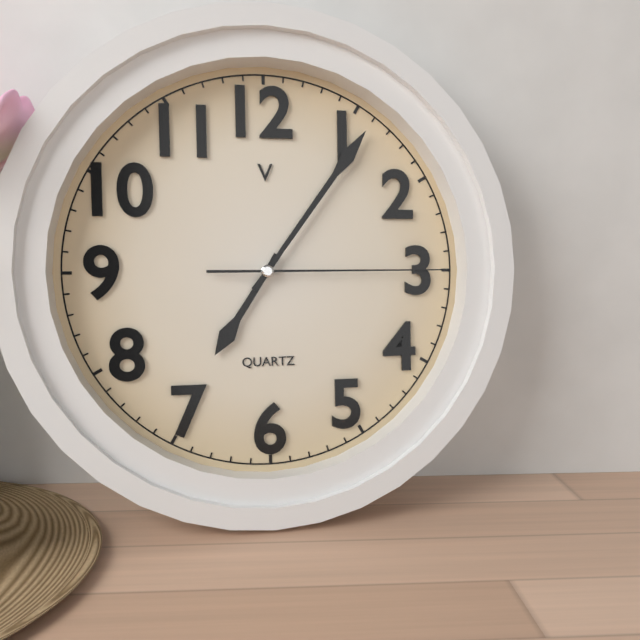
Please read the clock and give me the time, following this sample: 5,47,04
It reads 7,06,15
